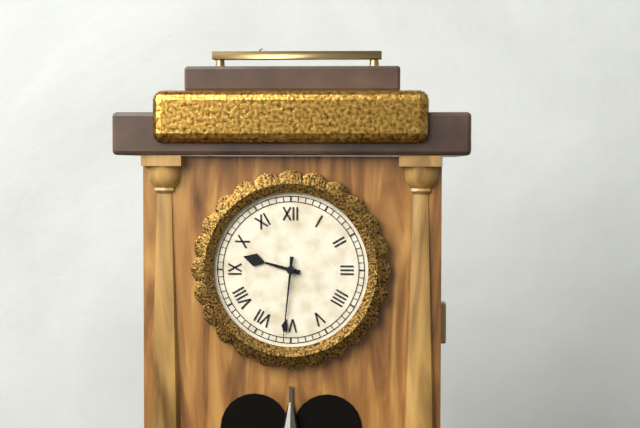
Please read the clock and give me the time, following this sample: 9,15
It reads 9,31
